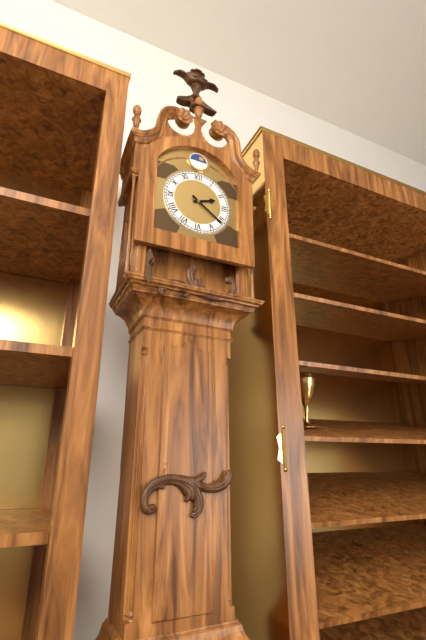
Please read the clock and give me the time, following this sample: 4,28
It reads 2,21
